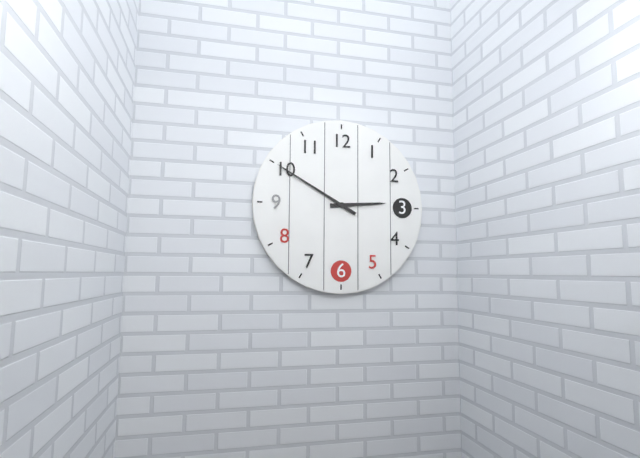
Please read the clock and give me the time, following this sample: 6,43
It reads 2,50
